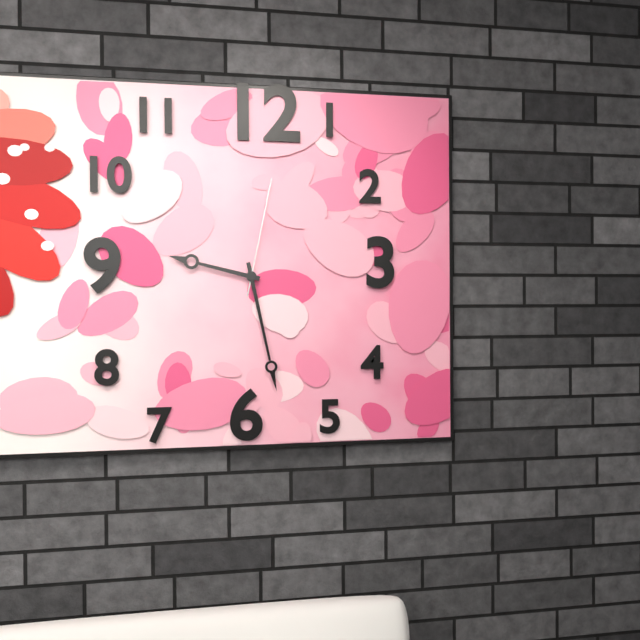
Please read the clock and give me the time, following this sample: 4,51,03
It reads 9,28,02
